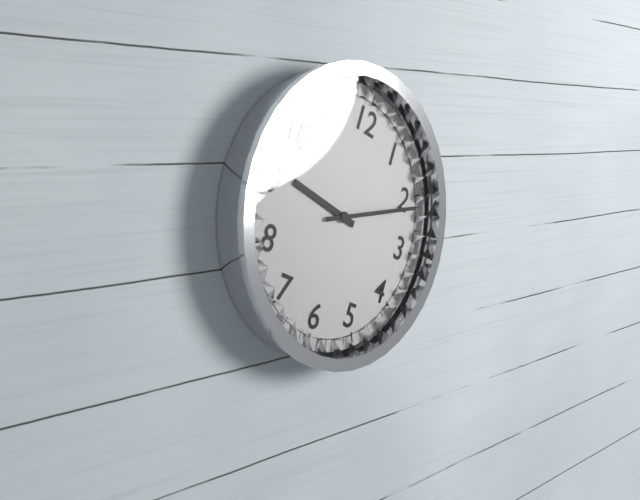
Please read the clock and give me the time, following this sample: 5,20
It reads 9,11
